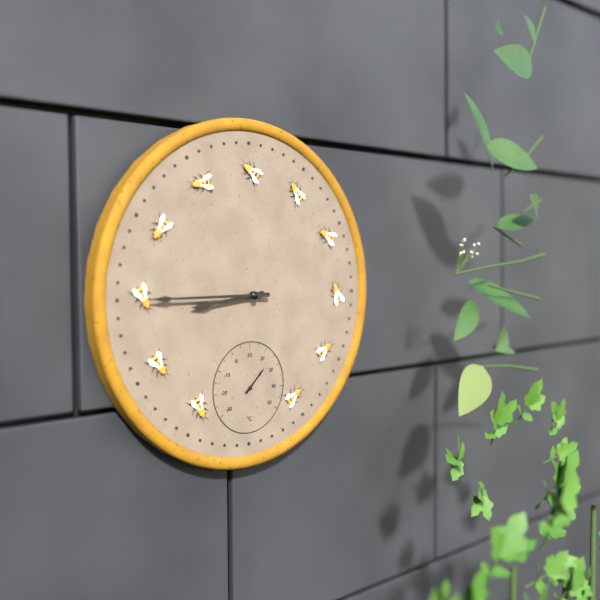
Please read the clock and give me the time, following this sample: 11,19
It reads 8,45
